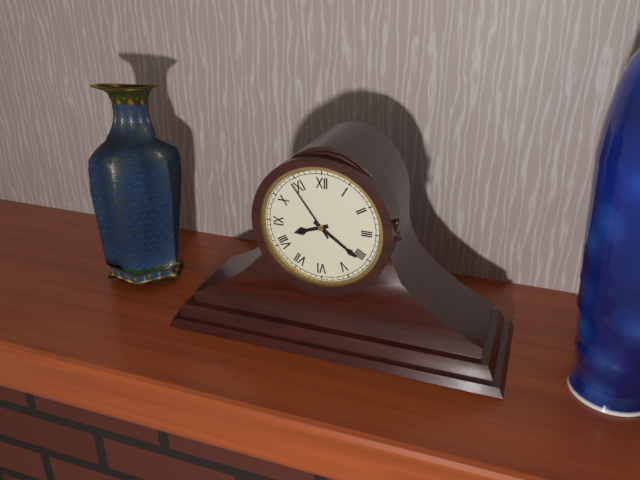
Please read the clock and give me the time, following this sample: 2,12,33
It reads 8,21,54
